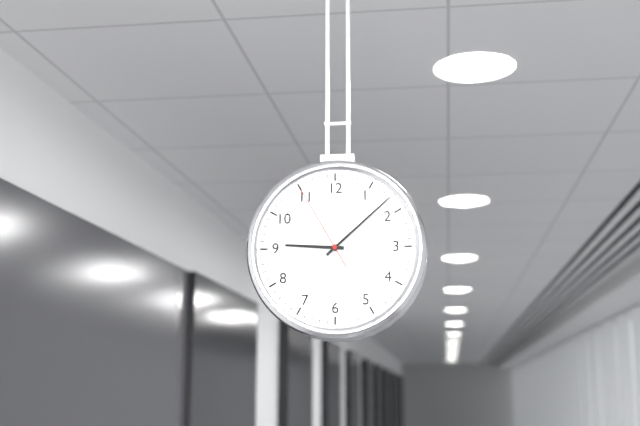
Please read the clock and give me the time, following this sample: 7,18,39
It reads 9,08,55
